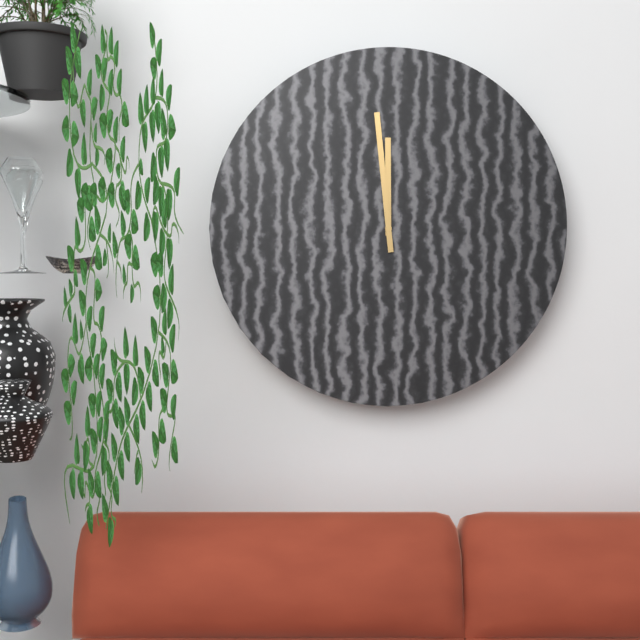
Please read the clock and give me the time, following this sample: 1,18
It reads 11,59
